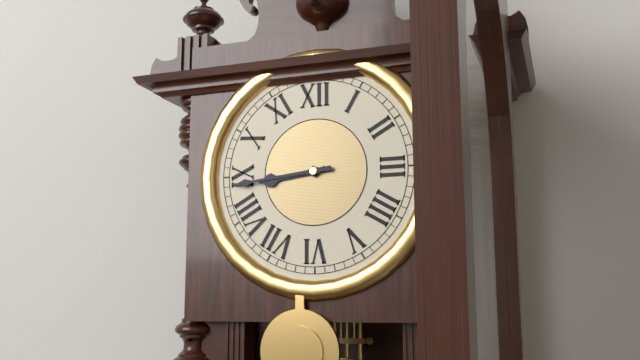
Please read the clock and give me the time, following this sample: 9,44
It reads 8,44
